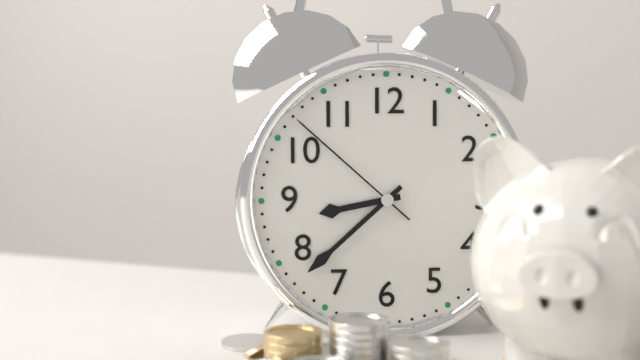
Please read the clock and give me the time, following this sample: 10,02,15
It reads 8,38,52
